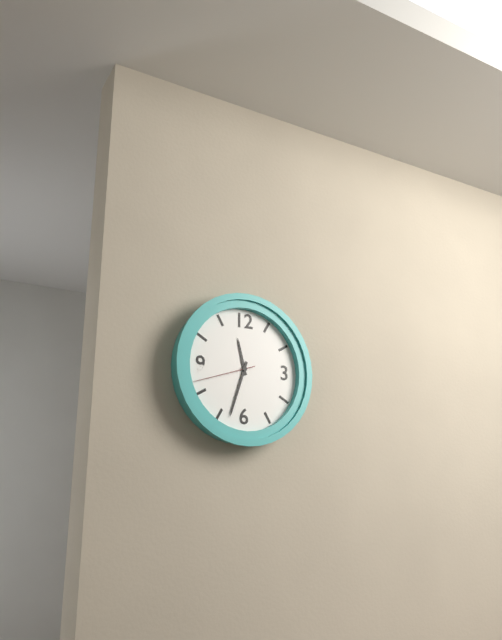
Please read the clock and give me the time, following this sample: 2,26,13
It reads 11,33,42
